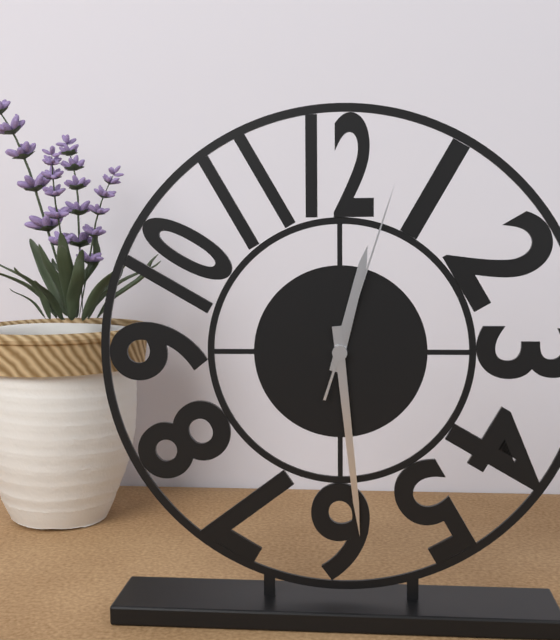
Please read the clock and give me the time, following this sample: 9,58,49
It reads 12,29,03
